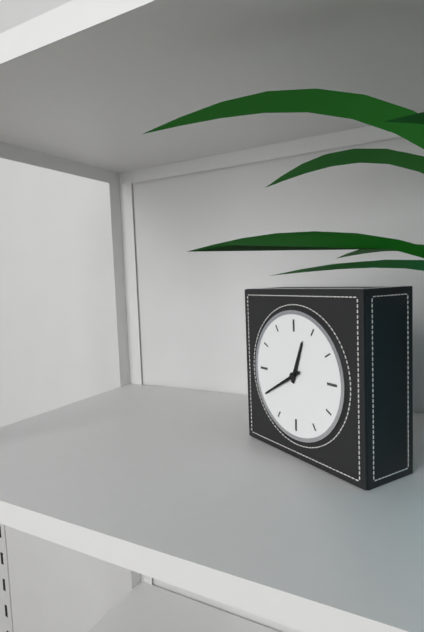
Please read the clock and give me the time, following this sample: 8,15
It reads 12,40
